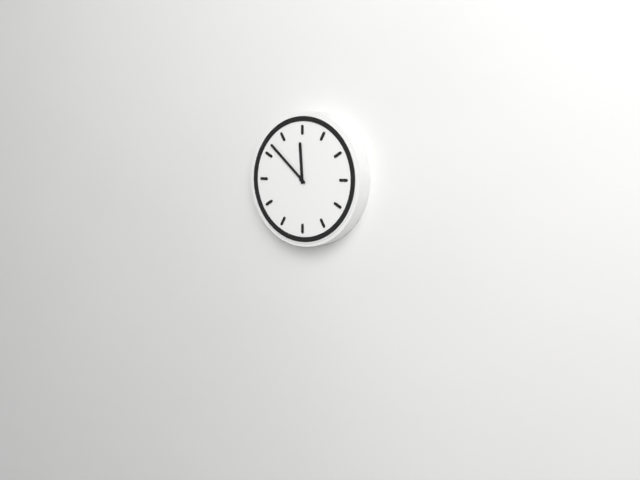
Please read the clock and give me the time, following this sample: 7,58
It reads 11,52
